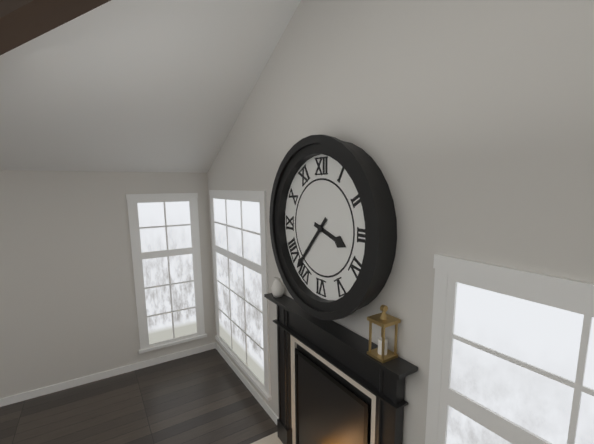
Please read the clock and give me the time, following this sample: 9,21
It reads 3,37
